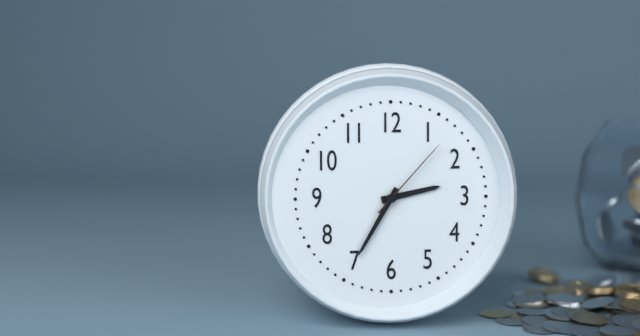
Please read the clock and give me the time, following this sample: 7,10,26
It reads 2,35,07
